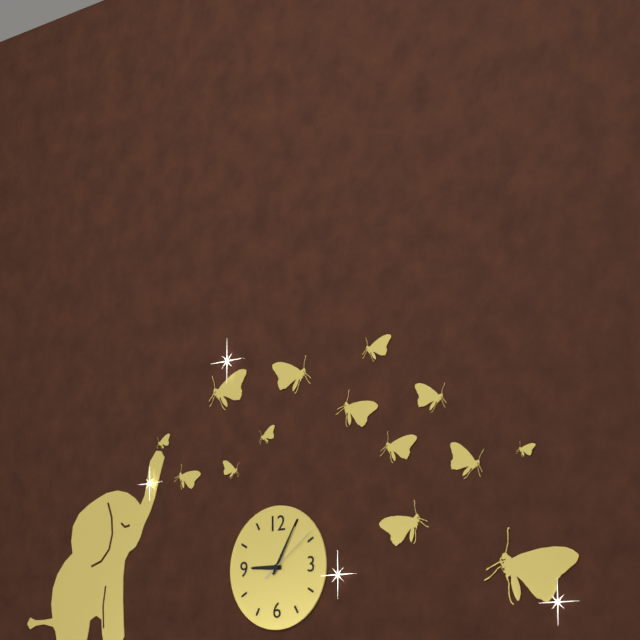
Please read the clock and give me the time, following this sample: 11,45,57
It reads 9,05,09
